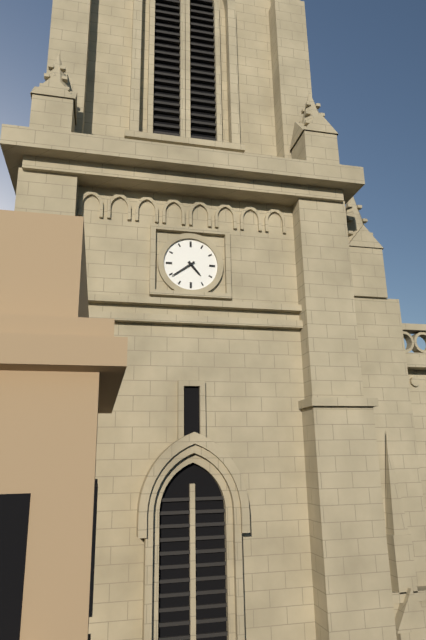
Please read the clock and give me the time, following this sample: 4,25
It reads 4,39
